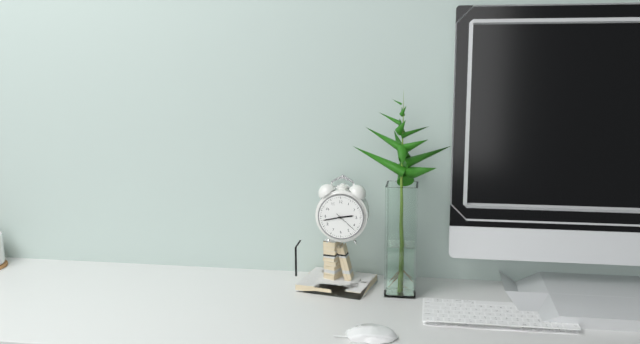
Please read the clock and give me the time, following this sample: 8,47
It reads 2,43
